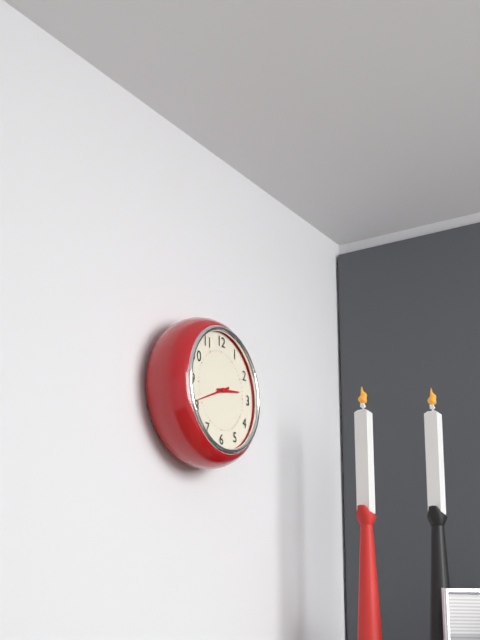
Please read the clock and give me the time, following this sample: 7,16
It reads 2,41
